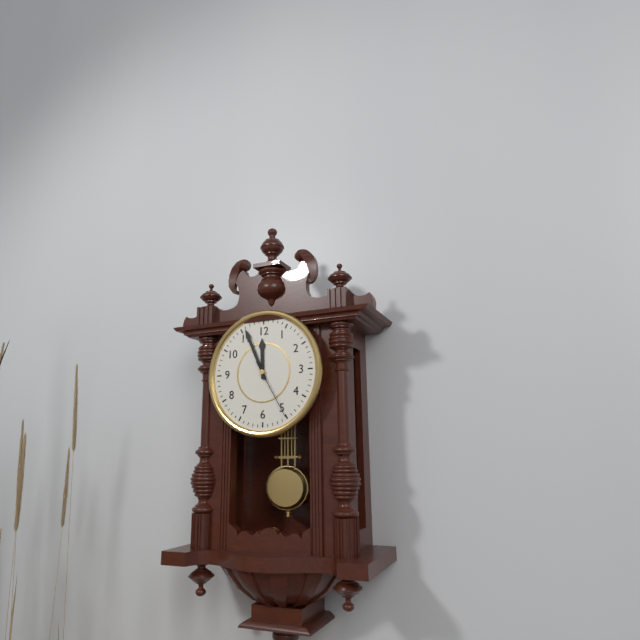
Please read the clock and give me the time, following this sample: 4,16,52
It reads 11,56,25
